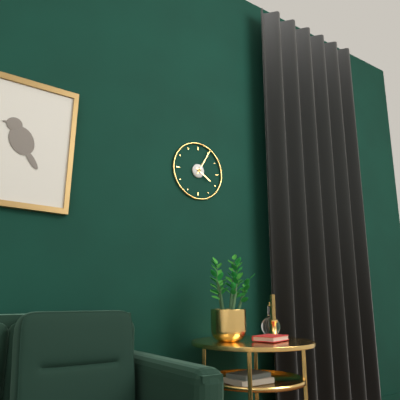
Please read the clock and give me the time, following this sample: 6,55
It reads 4,05
